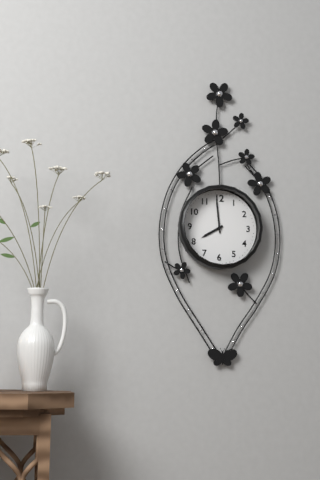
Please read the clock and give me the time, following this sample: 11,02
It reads 7,59
